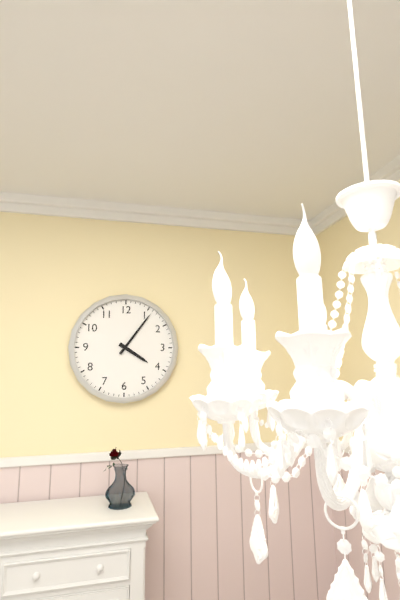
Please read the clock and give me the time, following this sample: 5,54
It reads 4,06
